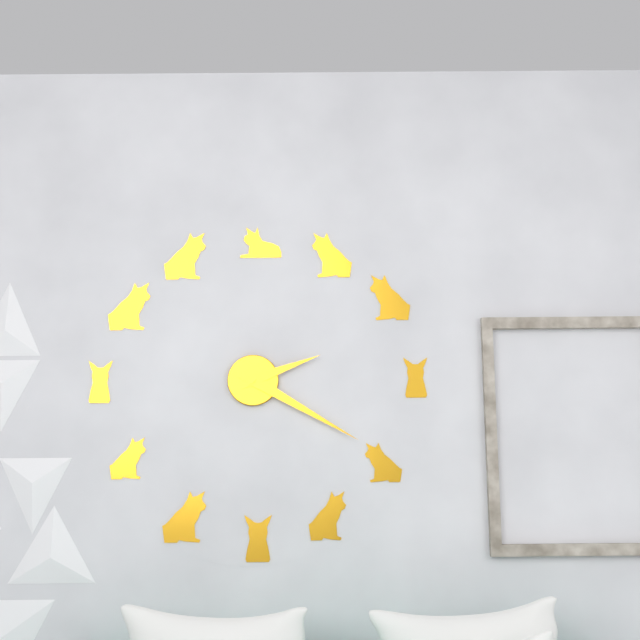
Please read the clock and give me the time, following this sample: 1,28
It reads 2,20
